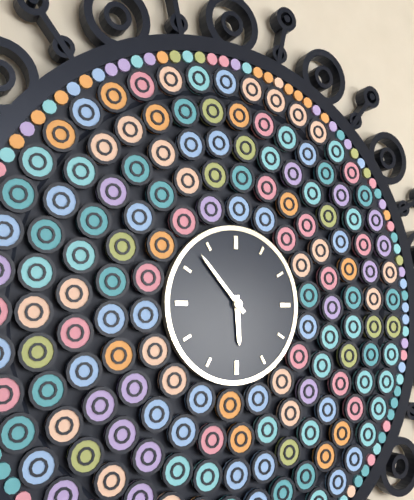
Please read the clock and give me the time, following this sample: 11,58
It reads 5,53
